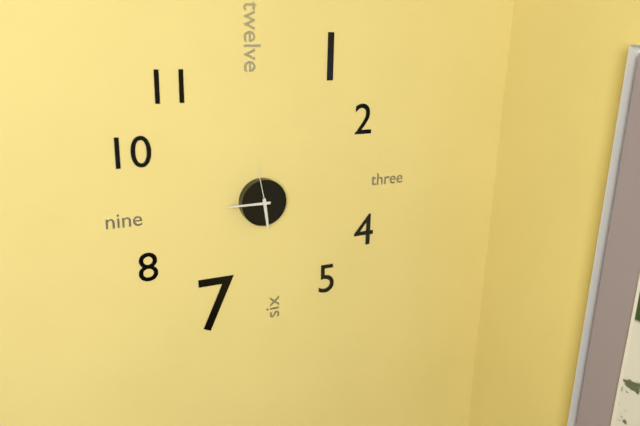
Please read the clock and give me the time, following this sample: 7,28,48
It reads 5,45,58
